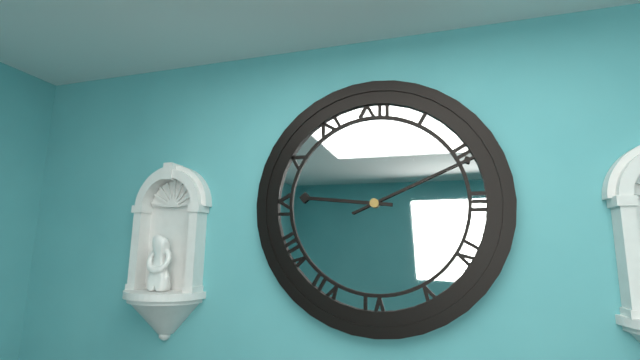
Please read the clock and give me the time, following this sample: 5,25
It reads 9,11
